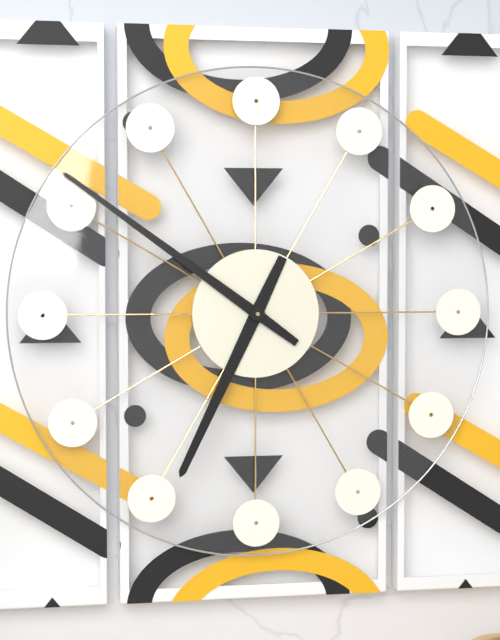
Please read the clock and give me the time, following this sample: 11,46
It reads 6,51
